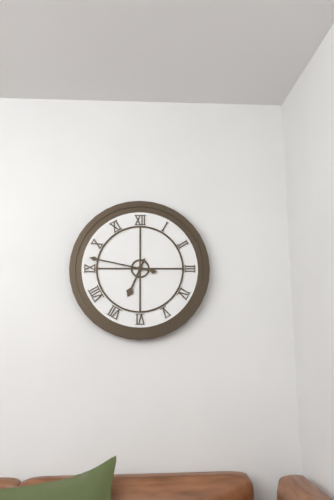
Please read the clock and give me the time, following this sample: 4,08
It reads 6,47
